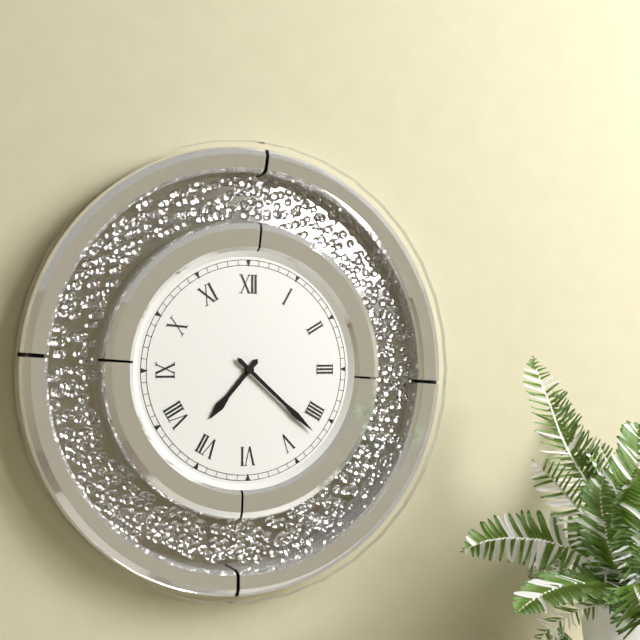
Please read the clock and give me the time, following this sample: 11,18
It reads 7,22
